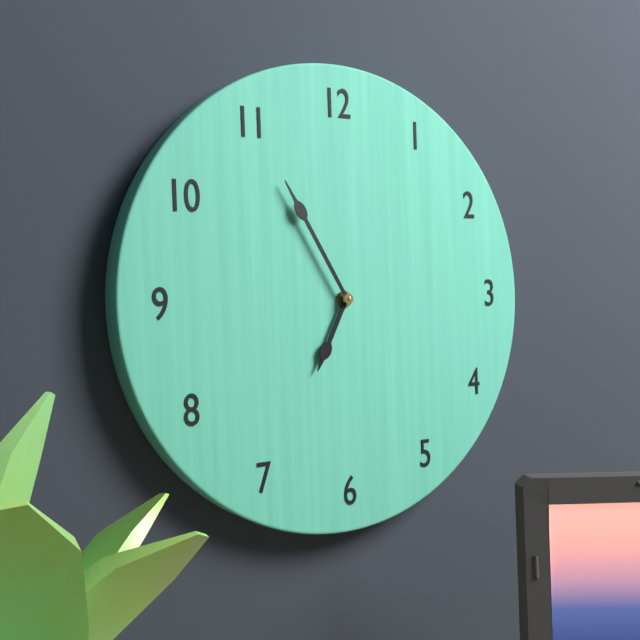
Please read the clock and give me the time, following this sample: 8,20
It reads 6,55
